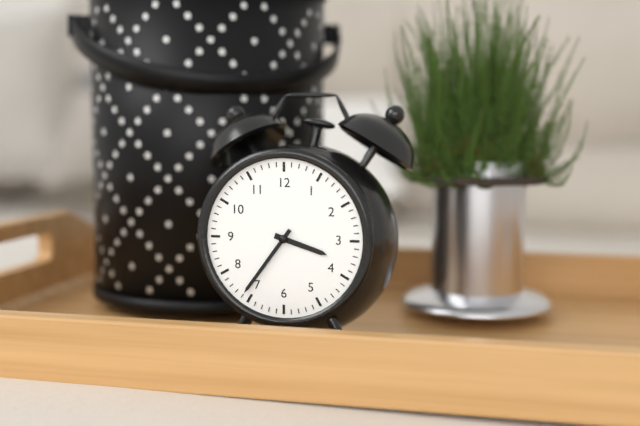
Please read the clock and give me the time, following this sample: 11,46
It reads 3,36
